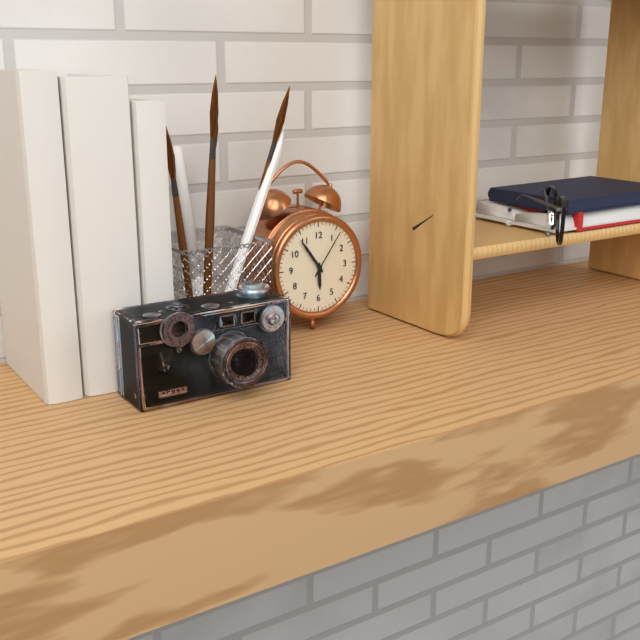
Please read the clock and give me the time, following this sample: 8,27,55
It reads 5,54,06
